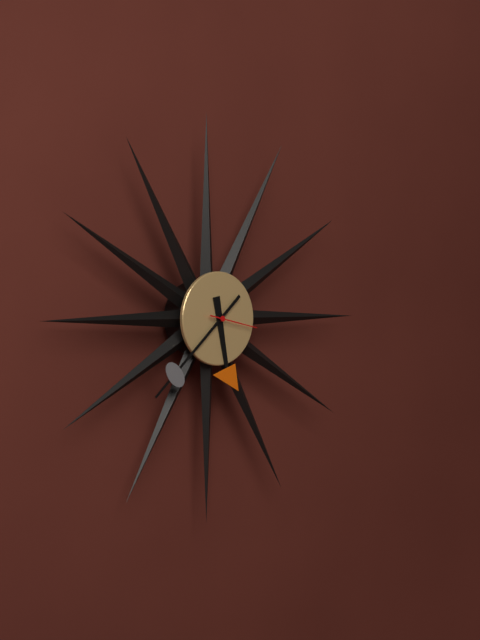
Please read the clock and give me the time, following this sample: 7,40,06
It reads 5,38,17
